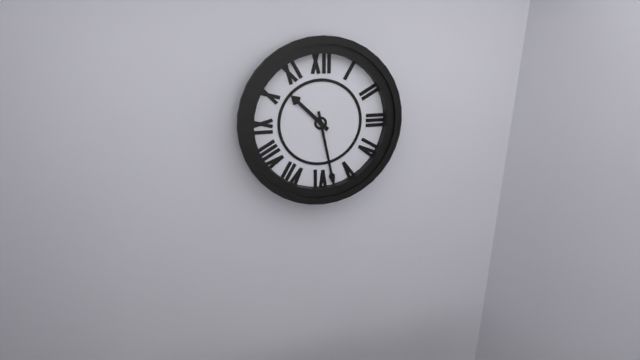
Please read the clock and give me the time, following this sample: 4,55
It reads 10,28
